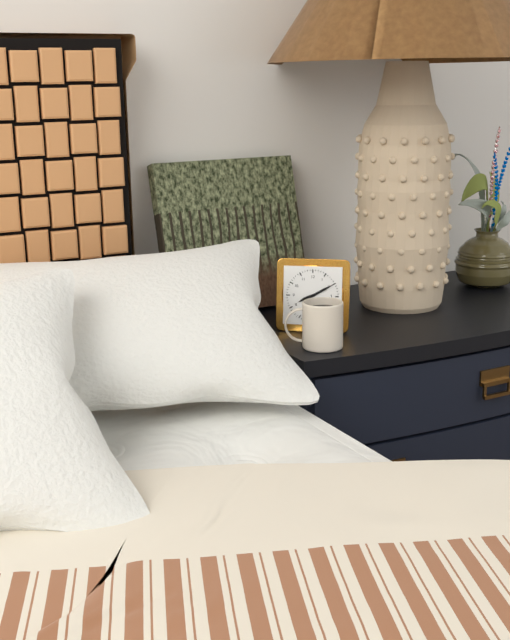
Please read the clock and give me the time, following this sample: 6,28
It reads 8,10
